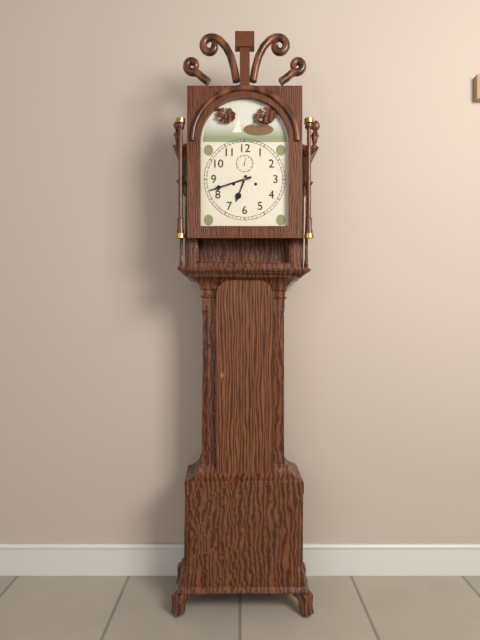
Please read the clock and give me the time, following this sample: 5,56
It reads 6,42
